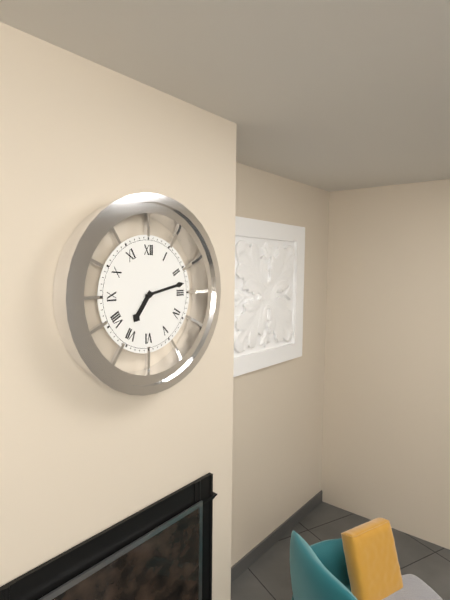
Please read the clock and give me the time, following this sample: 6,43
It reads 7,13
